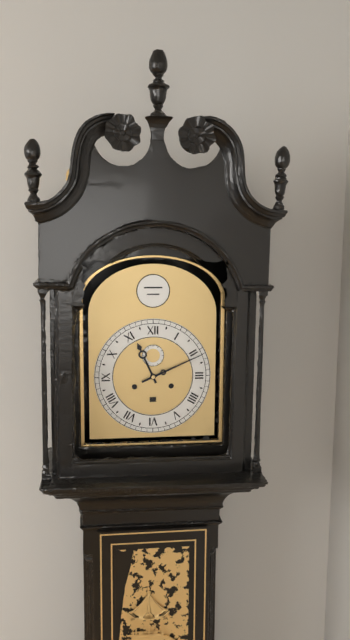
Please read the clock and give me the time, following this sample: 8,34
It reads 11,11
